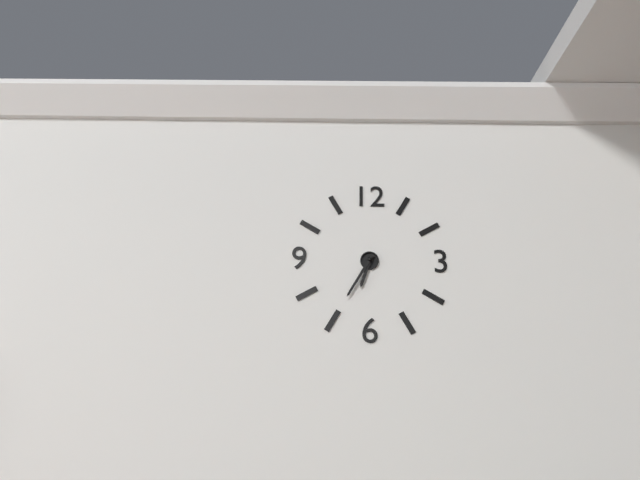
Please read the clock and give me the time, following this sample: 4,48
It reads 6,35
